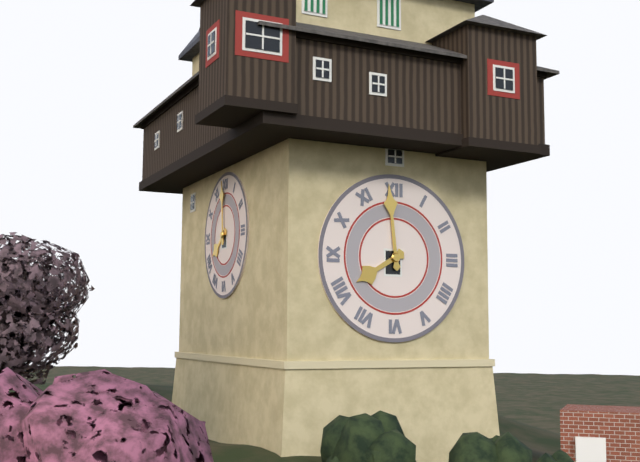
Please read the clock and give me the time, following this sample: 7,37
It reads 7,59
